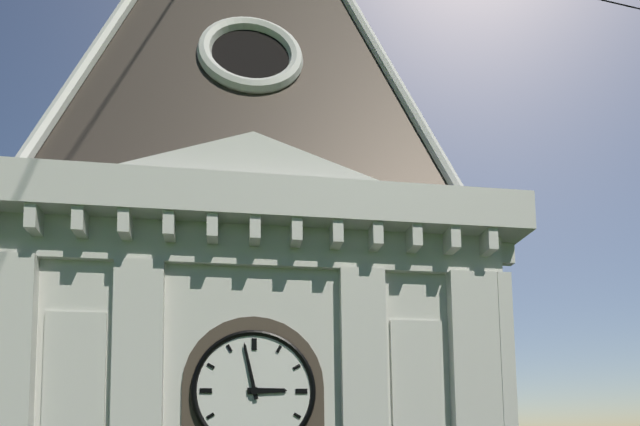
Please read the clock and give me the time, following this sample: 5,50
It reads 2,58
